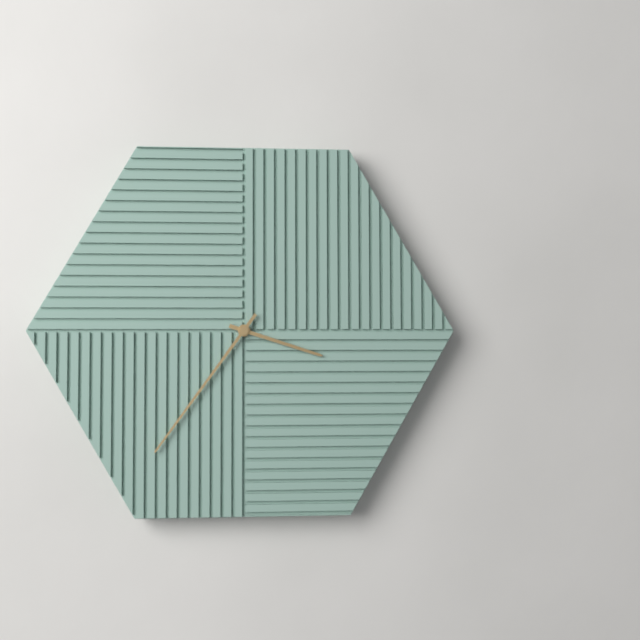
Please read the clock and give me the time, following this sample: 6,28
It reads 3,36
